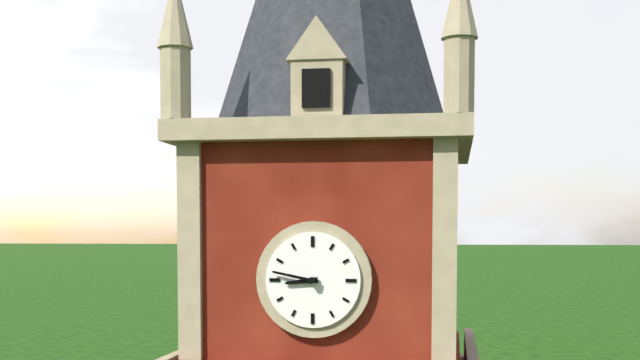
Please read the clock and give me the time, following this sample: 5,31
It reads 8,47
